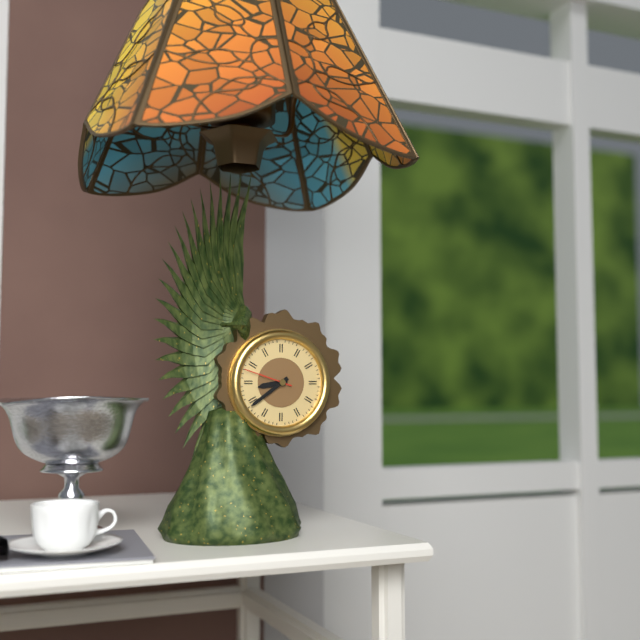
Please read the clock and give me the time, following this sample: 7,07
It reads 8,39
